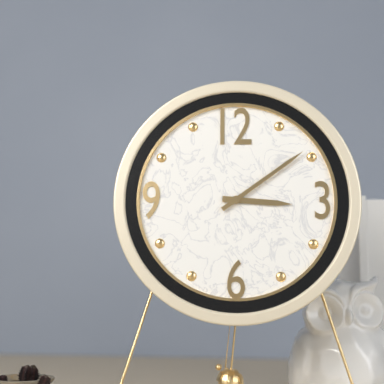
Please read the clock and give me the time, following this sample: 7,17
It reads 3,09
